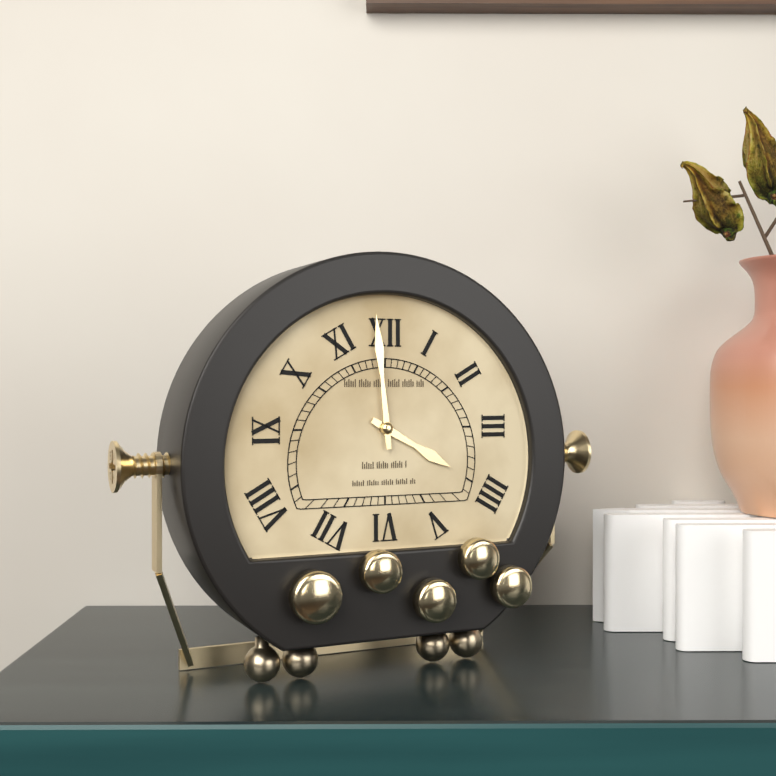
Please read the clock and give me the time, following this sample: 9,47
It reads 3,59
